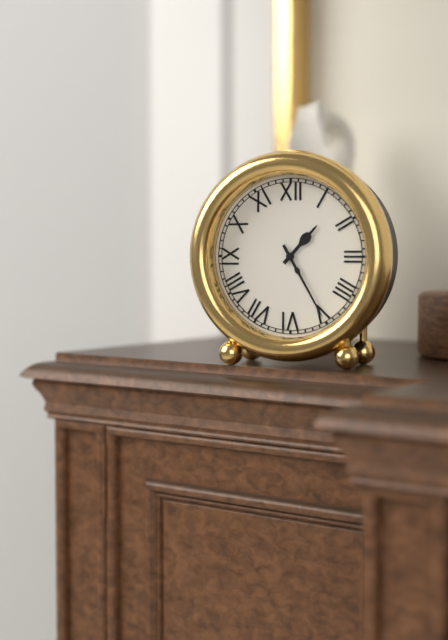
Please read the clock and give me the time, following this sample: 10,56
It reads 1,25
